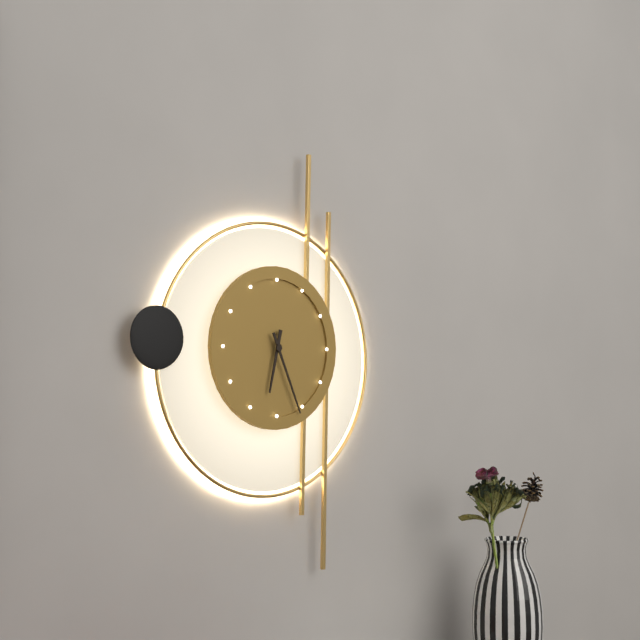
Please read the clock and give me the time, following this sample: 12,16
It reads 6,26
